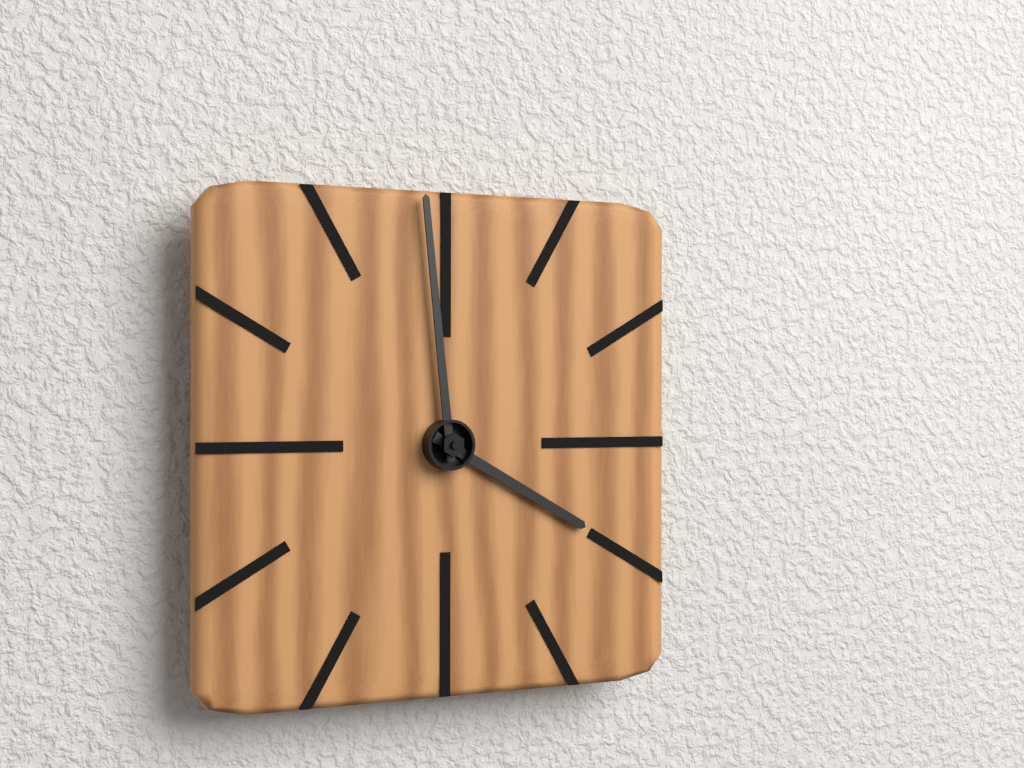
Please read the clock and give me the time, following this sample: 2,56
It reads 3,59
